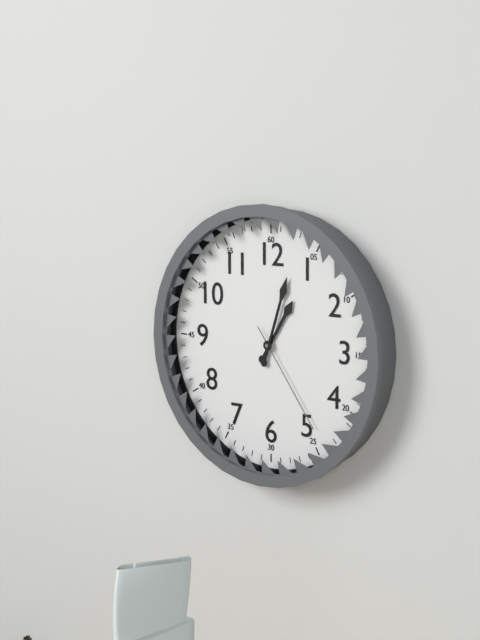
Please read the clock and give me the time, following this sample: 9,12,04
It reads 1,03,24
